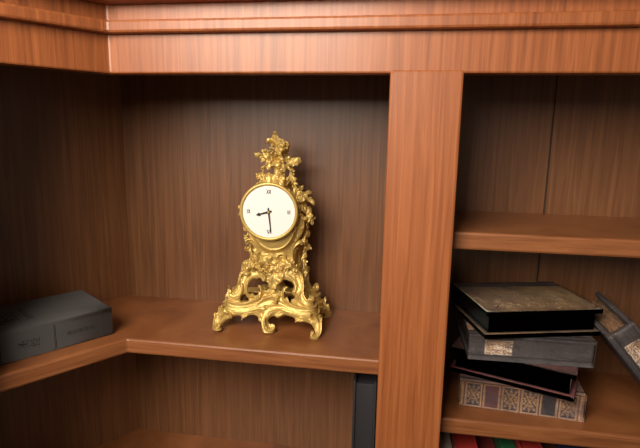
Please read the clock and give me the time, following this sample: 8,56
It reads 8,29
